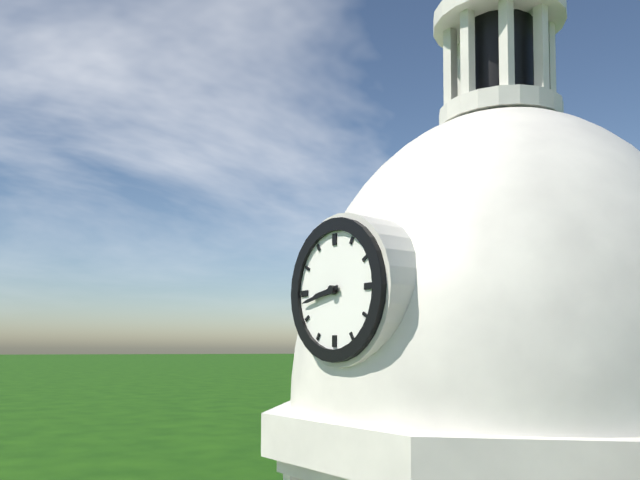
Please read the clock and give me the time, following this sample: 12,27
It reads 8,43
